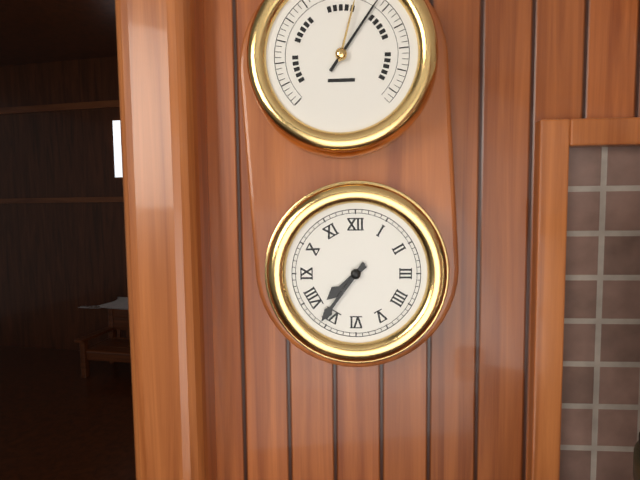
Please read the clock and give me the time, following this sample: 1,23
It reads 7,36
